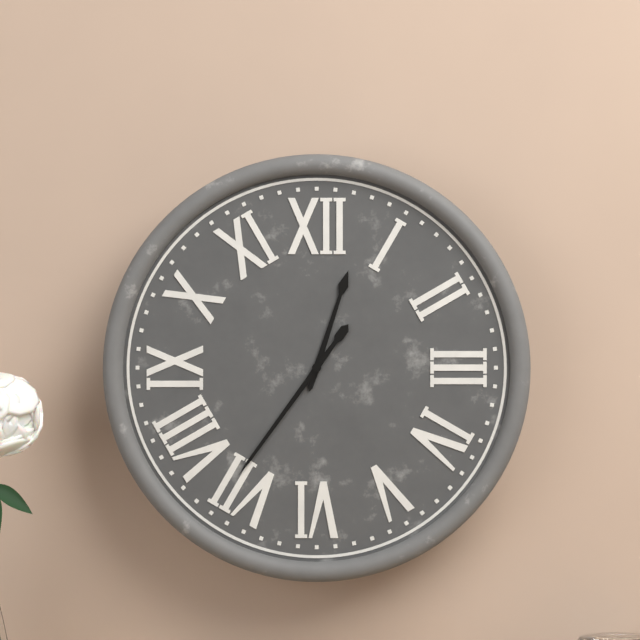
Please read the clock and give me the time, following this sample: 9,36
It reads 12,36
